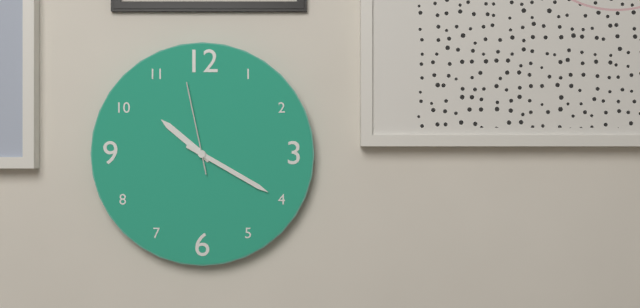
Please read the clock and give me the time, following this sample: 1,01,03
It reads 10,20,58
